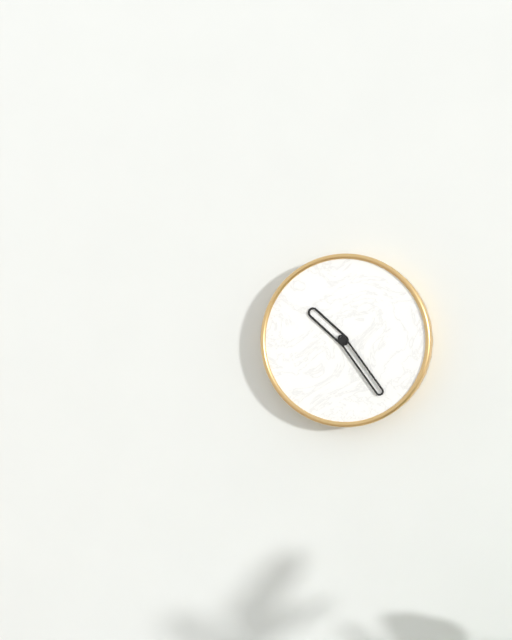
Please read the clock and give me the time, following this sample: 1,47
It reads 10,24
